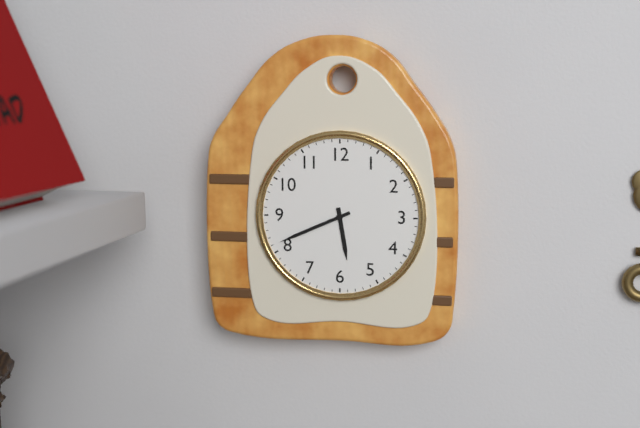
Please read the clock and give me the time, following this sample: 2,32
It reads 5,41
